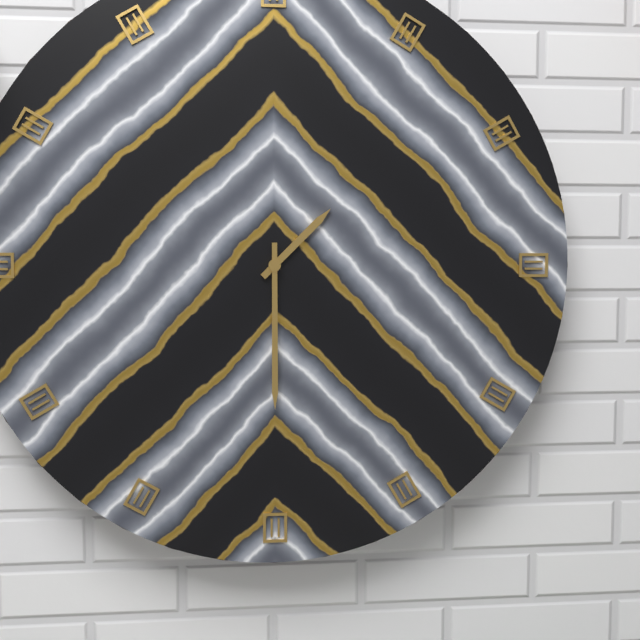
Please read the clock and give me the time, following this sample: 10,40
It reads 1,30
